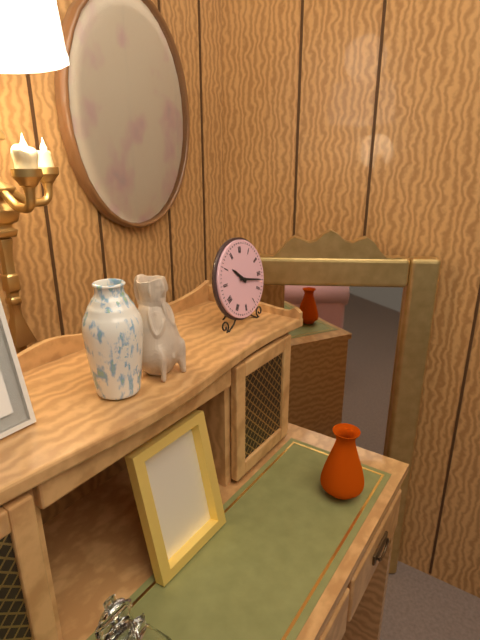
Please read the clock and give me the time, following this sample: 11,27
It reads 10,17
